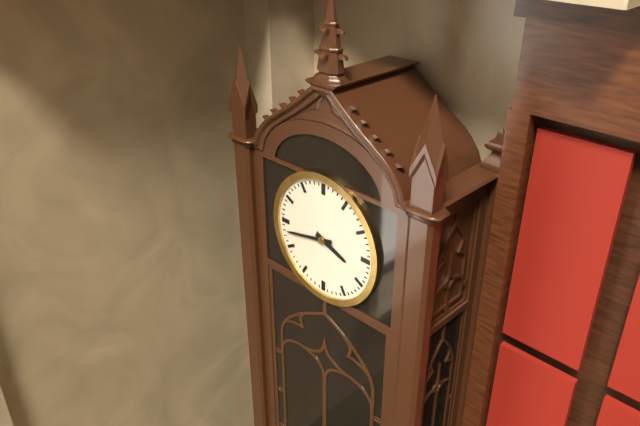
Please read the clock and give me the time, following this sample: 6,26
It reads 3,43
